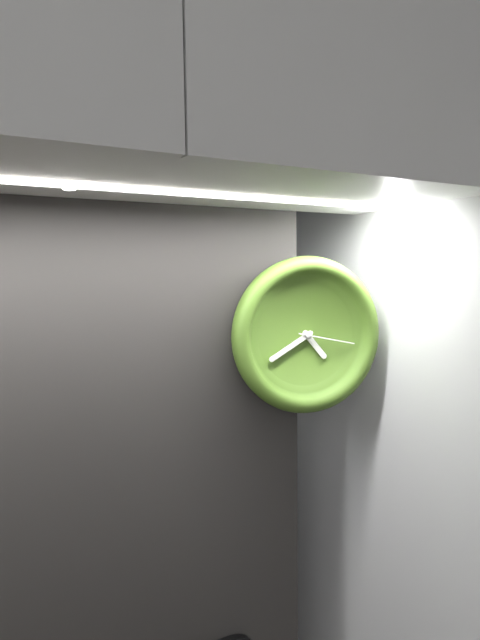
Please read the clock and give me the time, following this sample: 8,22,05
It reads 4,40,17
